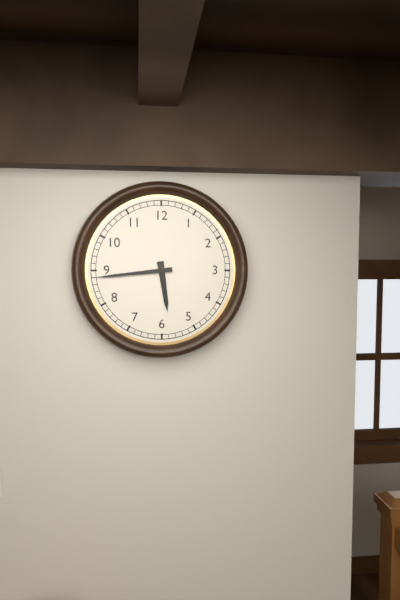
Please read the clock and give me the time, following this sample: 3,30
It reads 5,44
